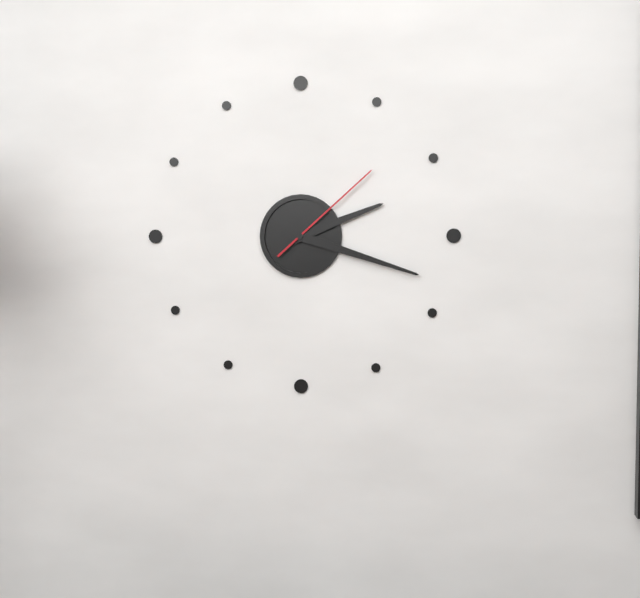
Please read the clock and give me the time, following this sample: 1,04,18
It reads 2,18,08
